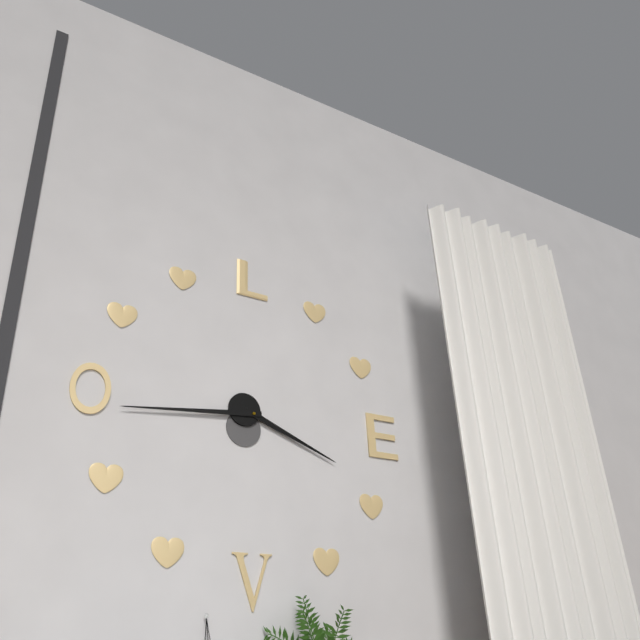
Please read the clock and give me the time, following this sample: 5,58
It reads 3,44
